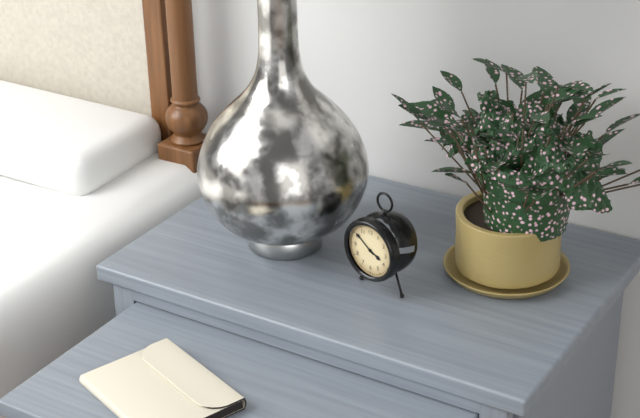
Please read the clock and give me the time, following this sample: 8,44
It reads 3,51
